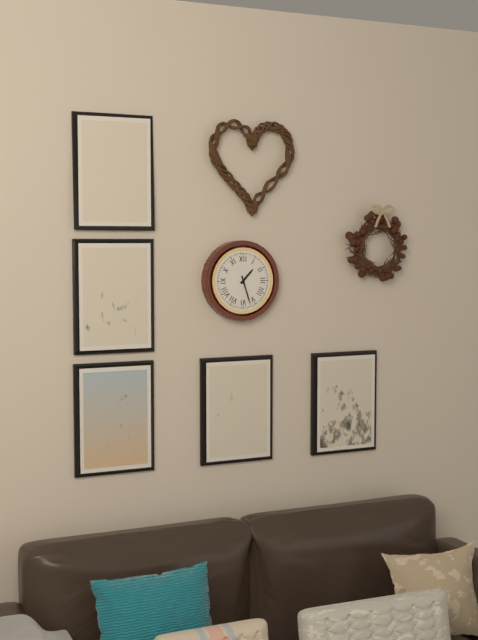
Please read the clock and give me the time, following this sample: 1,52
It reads 1,27
